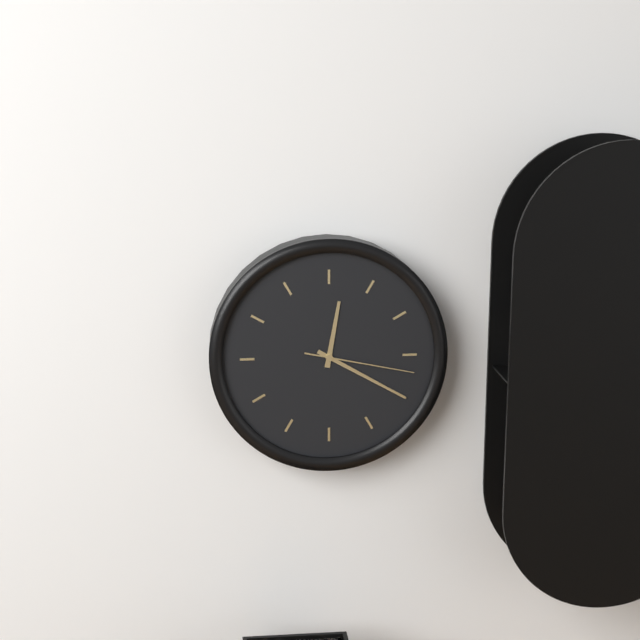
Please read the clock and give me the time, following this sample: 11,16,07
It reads 12,20,17
